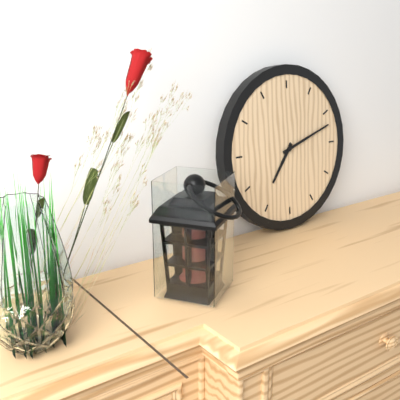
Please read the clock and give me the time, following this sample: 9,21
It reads 7,12
